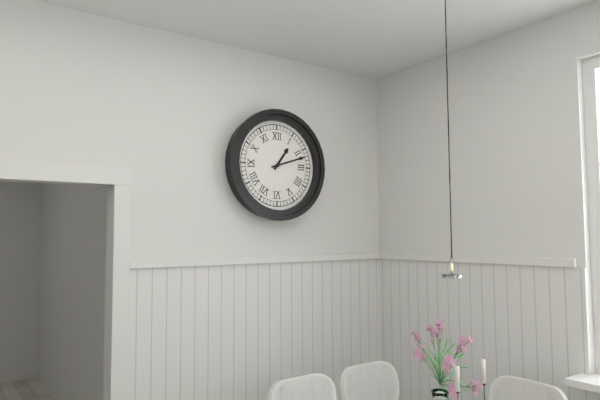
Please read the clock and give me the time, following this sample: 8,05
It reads 1,12
